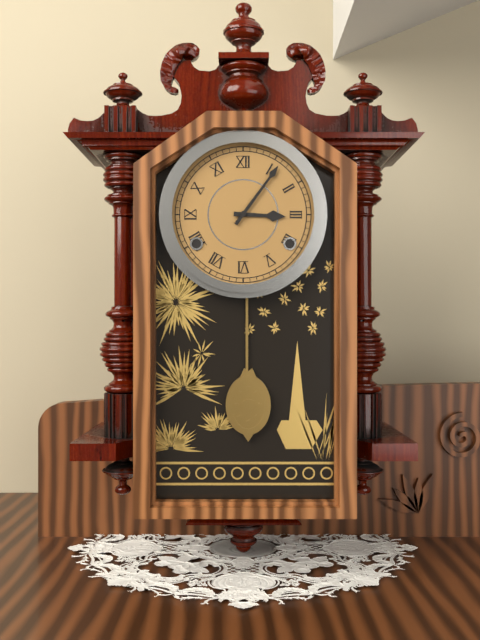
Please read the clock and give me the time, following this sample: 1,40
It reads 3,06
